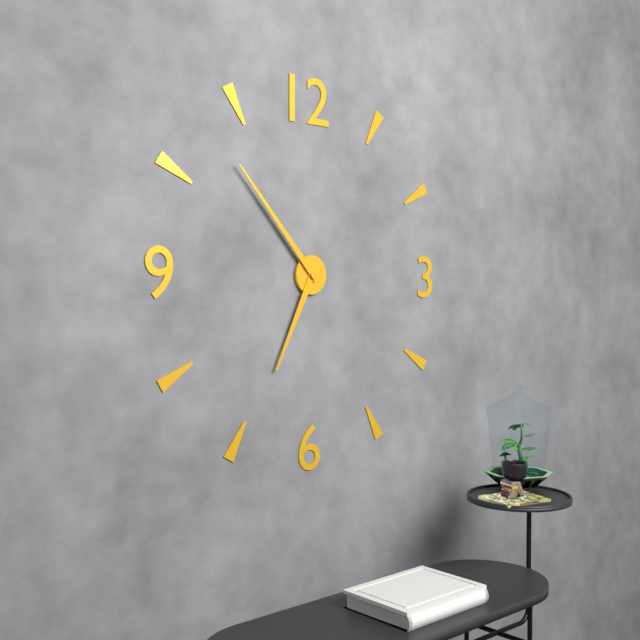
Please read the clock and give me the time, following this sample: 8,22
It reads 6,53
